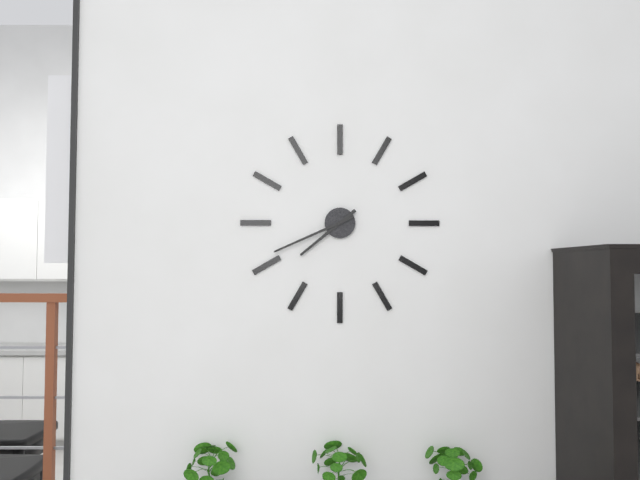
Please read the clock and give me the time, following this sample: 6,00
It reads 7,41
